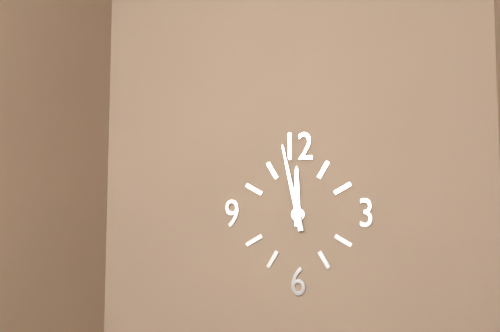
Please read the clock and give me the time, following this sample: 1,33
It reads 11,58
